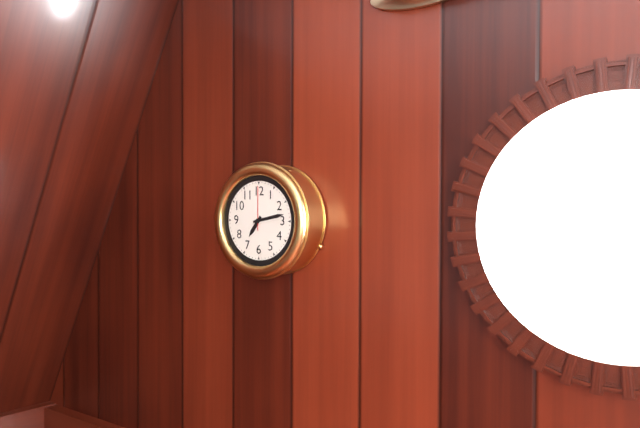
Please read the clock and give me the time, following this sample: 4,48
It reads 7,13
